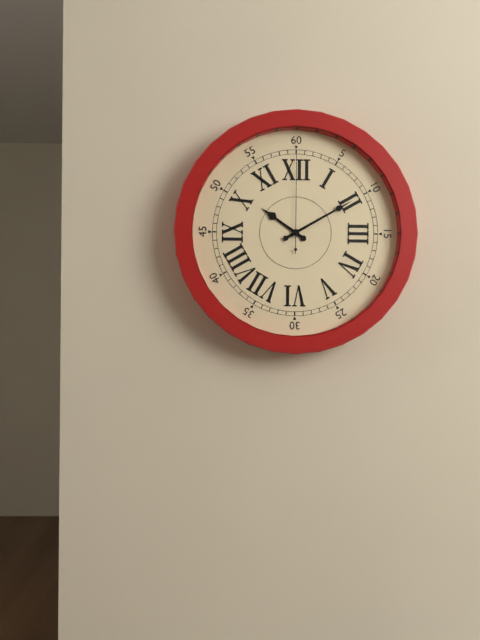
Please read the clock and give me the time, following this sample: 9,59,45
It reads 10,10,00
